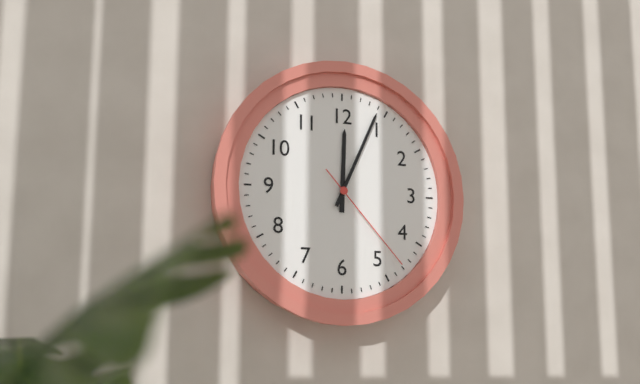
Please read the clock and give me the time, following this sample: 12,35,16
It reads 12,04,23
